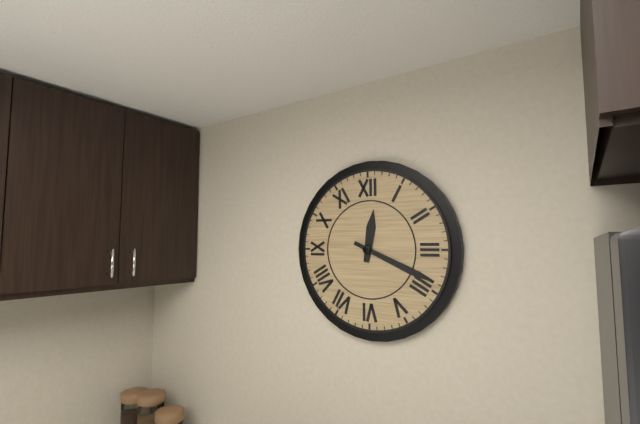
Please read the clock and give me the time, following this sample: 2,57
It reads 12,19
